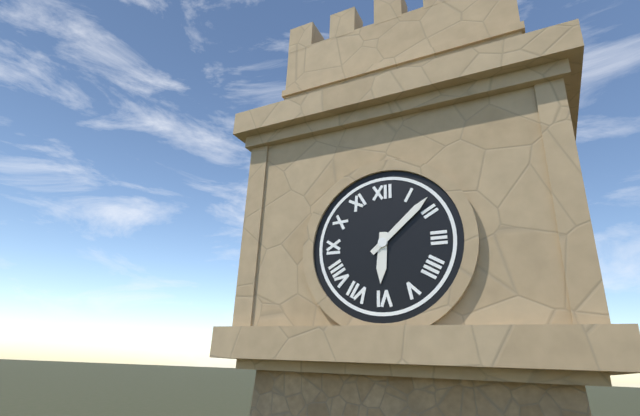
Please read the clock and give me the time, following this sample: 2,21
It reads 6,08
